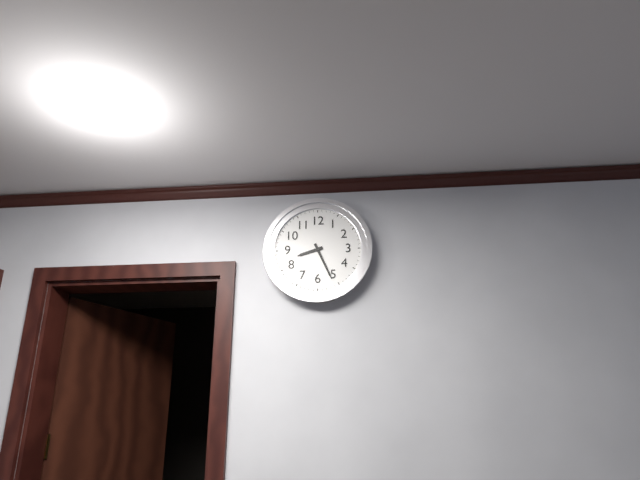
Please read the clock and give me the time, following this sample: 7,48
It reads 8,26
